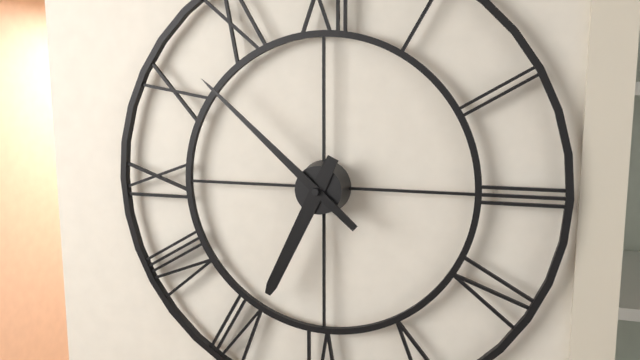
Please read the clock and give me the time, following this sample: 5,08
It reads 6,52
